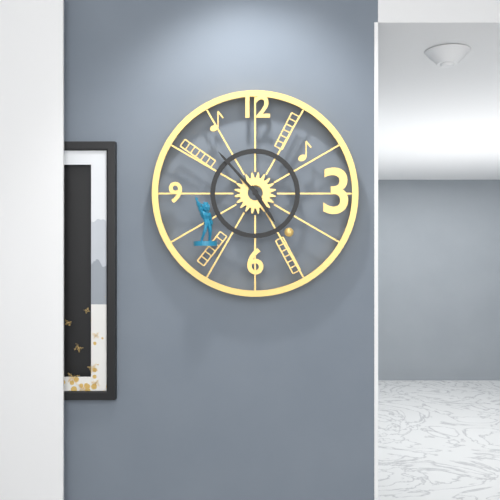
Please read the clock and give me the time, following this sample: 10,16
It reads 4,53
